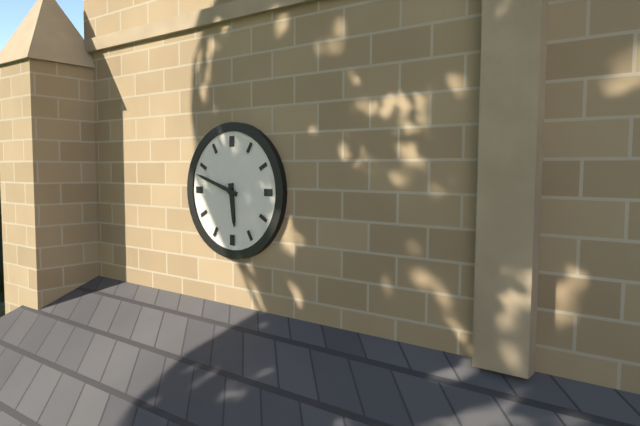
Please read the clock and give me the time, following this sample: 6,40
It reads 5,48
